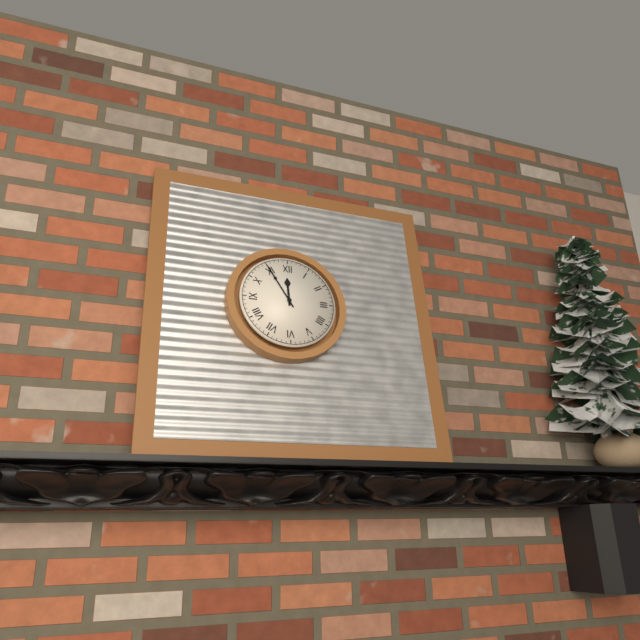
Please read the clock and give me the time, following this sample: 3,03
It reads 11,55
